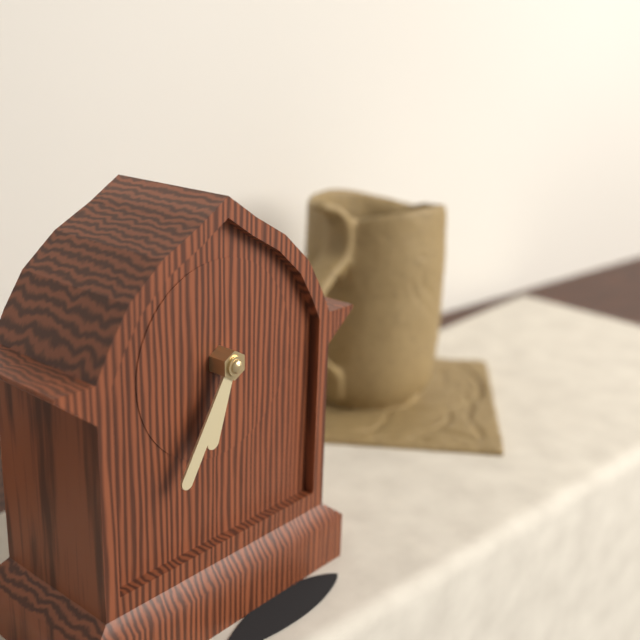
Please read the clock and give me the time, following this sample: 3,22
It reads 6,35
